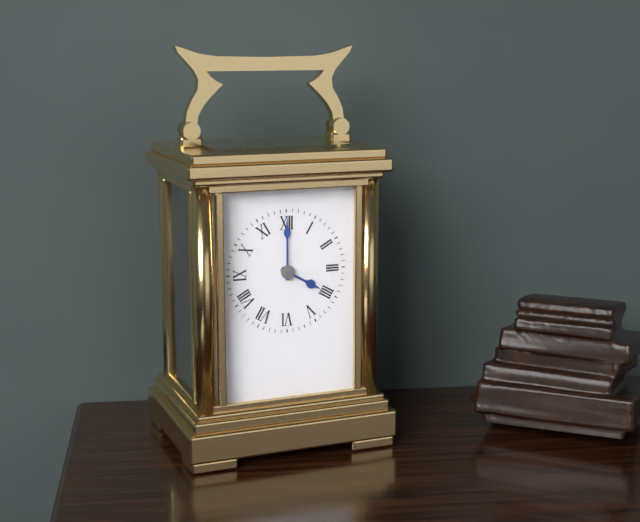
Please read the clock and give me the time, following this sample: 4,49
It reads 4,00
